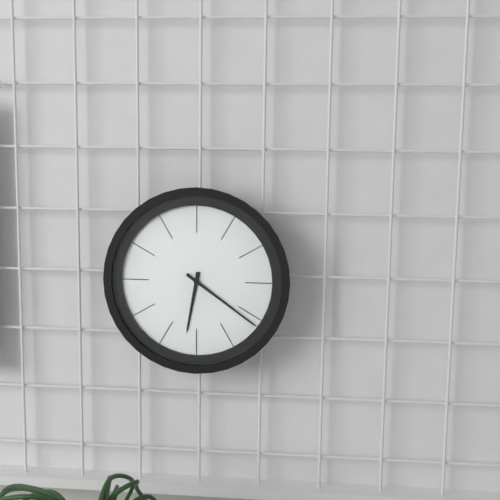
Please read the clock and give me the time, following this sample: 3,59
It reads 6,21
